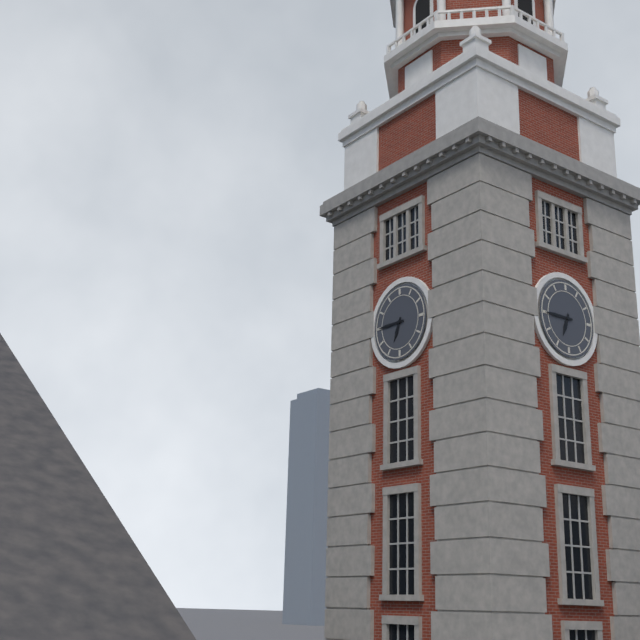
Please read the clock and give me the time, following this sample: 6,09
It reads 6,45
